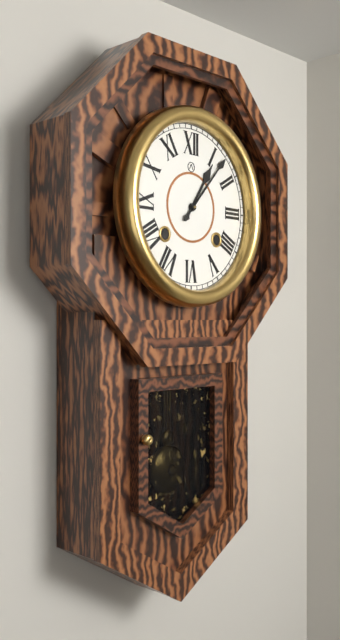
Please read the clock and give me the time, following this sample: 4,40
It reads 1,07
